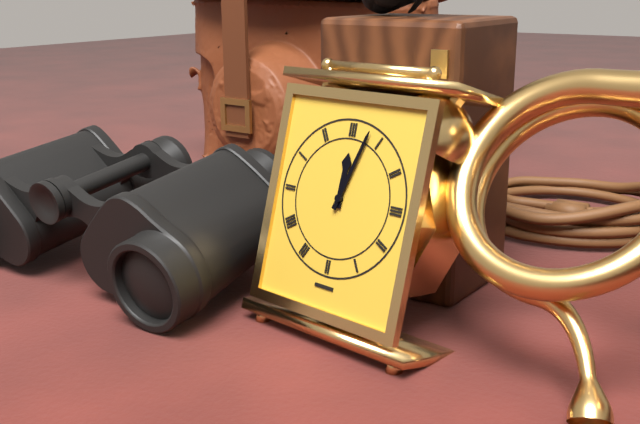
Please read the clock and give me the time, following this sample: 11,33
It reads 12,03
